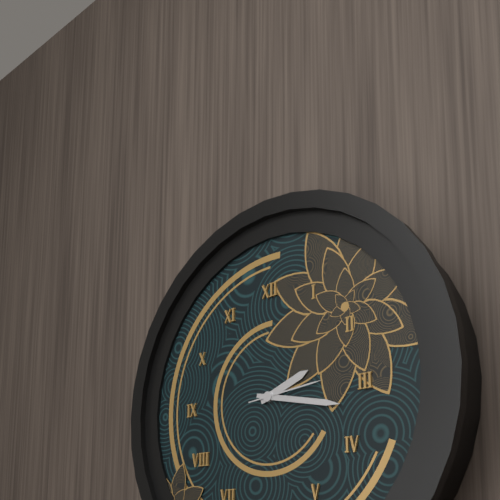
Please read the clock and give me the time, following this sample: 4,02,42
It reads 2,17,14
